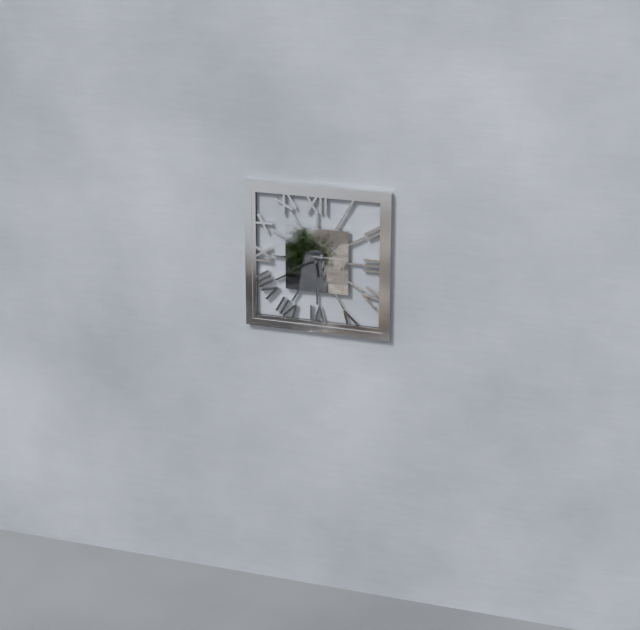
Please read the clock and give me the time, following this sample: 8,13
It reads 5,41
